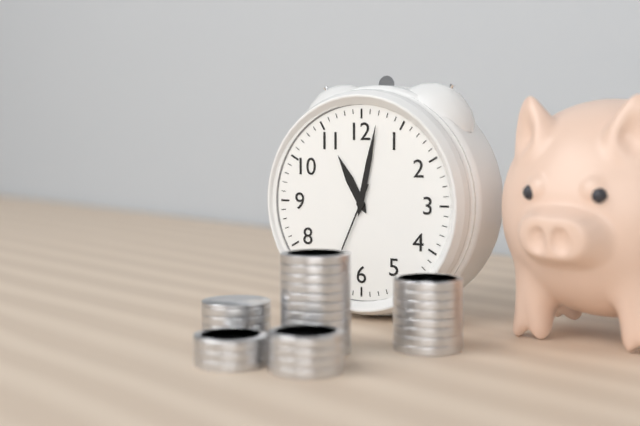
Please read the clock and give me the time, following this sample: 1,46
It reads 11,02
